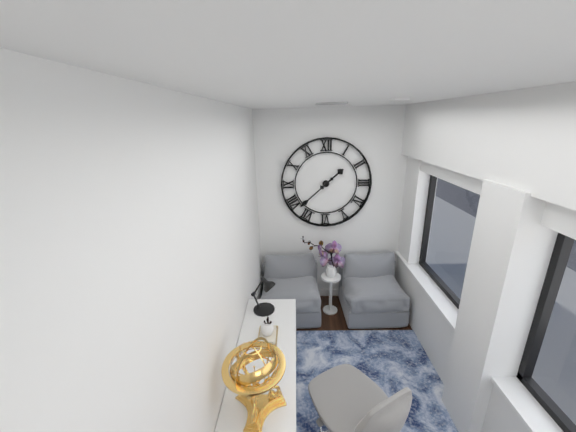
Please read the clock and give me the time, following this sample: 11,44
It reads 1,38
